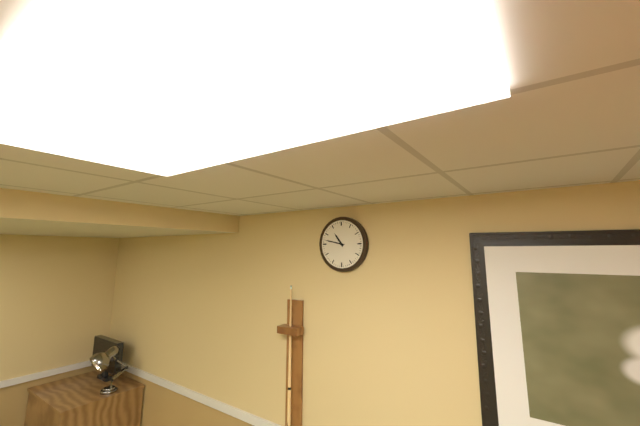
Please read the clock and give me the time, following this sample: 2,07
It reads 10,47
